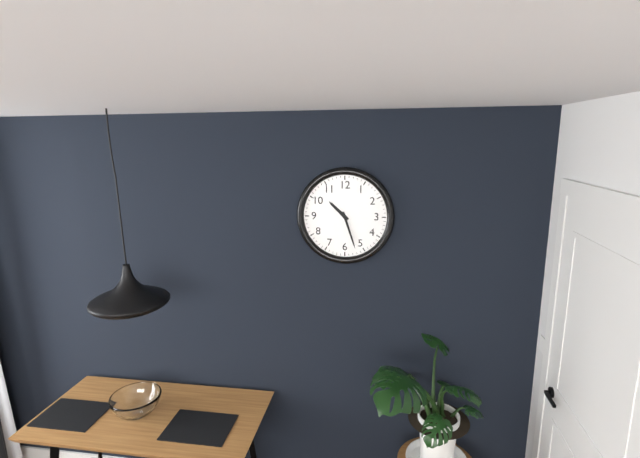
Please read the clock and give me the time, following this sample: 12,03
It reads 10,27
